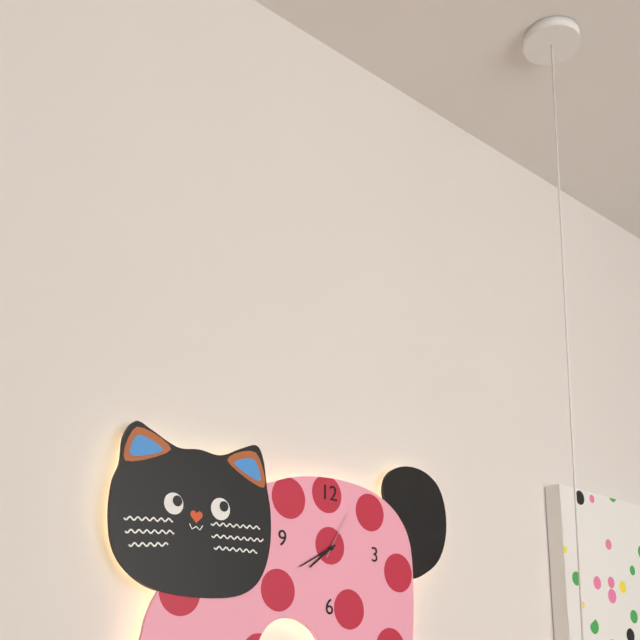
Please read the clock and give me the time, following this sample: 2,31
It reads 7,40
